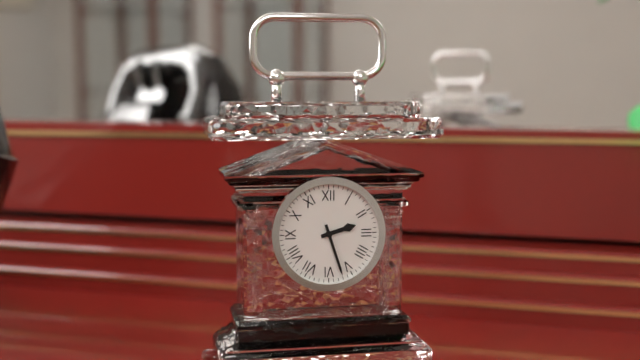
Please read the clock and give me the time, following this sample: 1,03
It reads 2,27
